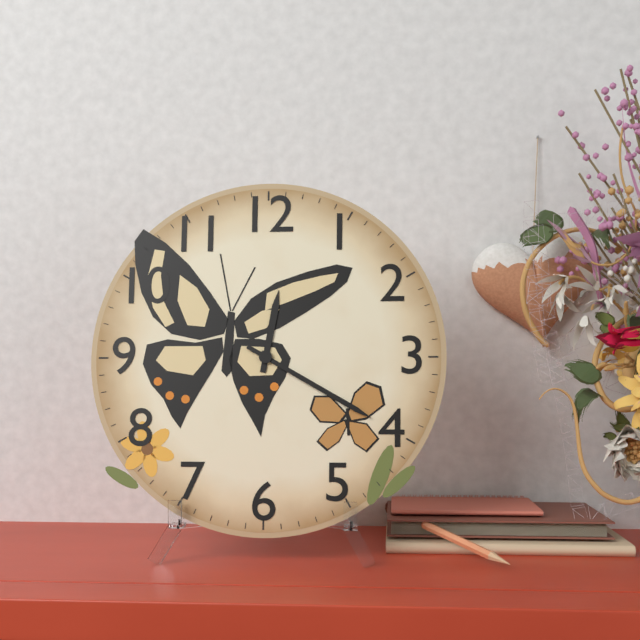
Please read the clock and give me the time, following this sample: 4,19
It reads 12,20
